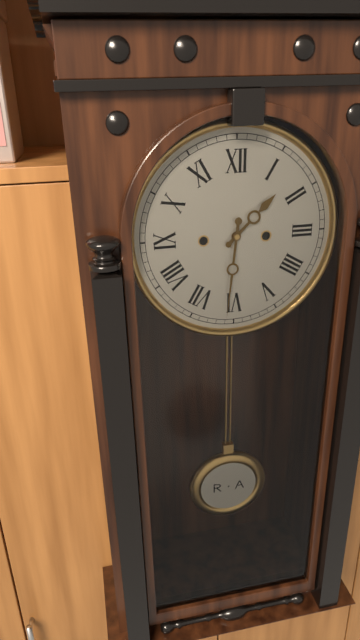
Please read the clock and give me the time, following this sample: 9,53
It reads 1,31
